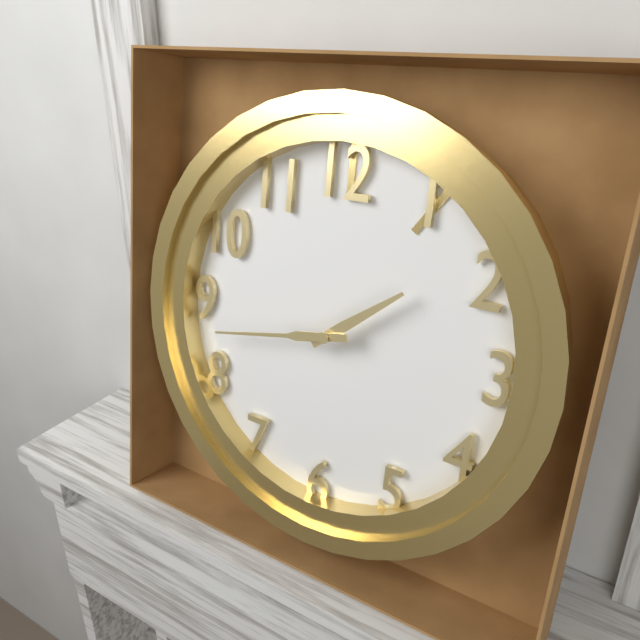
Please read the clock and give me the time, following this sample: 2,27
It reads 1,43
